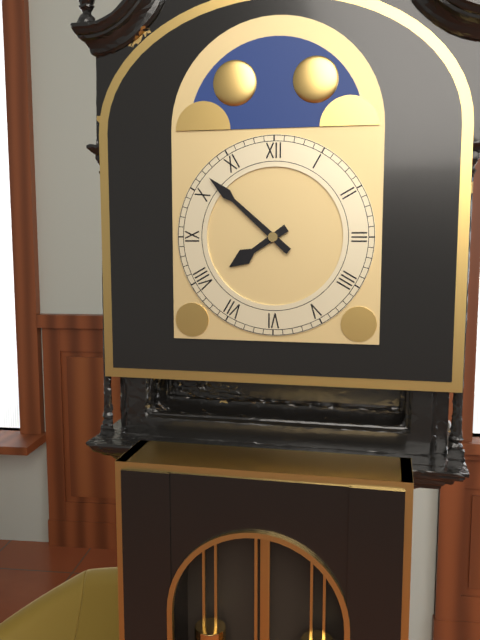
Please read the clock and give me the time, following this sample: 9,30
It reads 7,52
